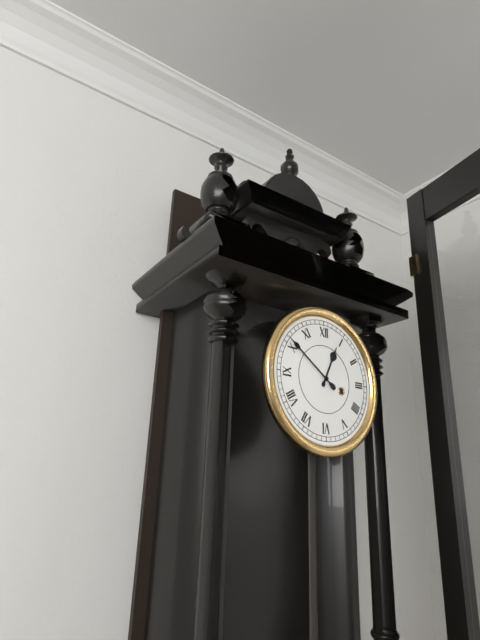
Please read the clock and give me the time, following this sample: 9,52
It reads 12,51
